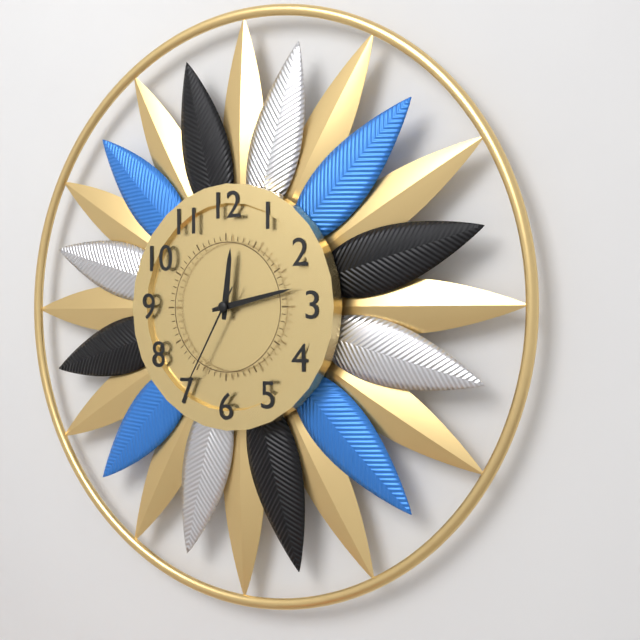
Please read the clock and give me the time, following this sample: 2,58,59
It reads 12,13,35
